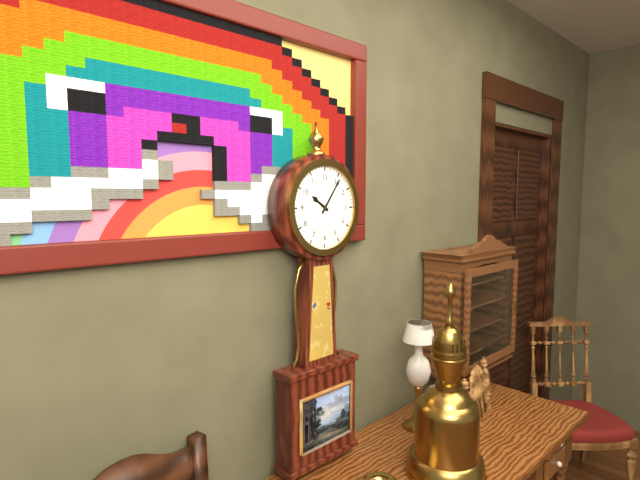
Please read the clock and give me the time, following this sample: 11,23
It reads 10,06
